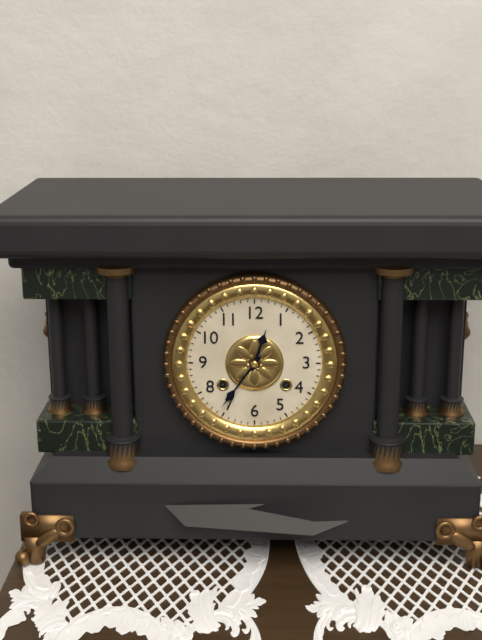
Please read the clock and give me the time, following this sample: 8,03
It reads 12,36
